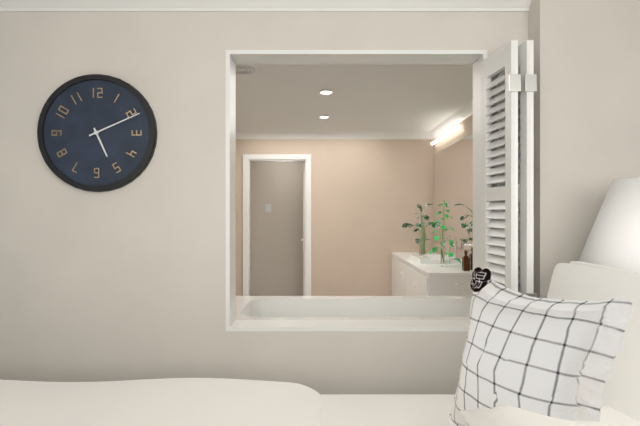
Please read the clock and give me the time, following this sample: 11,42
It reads 5,11
